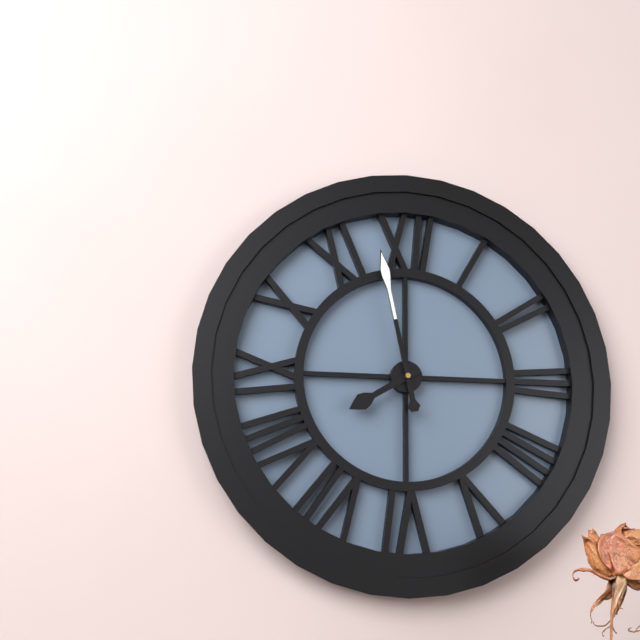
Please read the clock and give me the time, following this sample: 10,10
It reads 7,58
